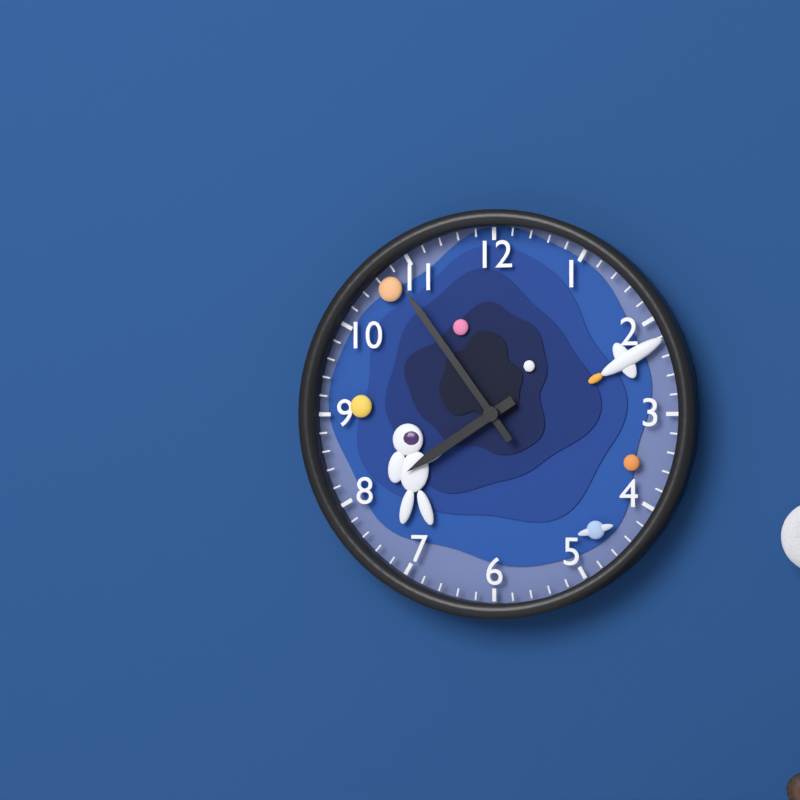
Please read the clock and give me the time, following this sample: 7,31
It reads 7,54
